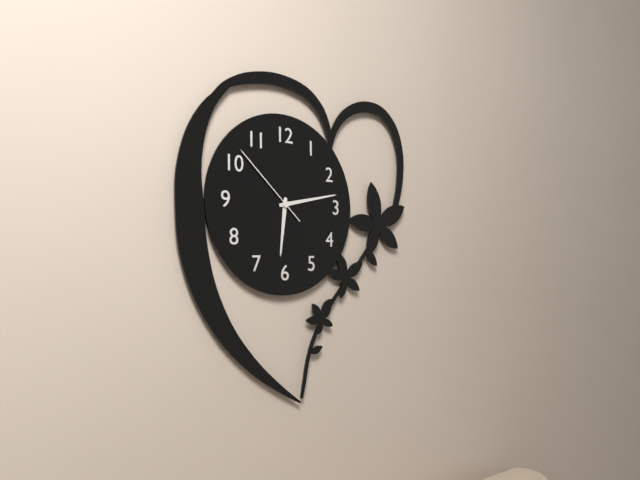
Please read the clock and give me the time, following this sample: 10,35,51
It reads 6,13,52
